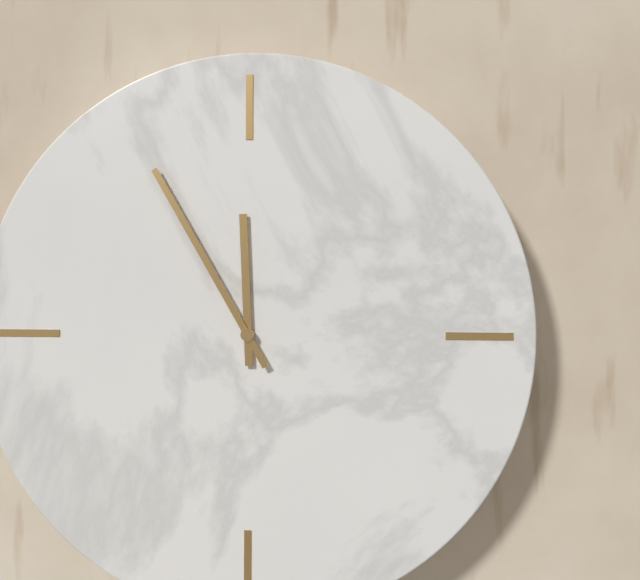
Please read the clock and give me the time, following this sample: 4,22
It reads 11,55
